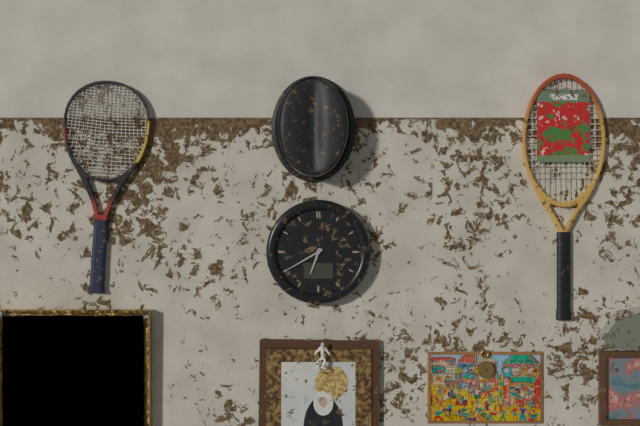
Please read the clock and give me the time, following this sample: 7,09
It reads 6,40
